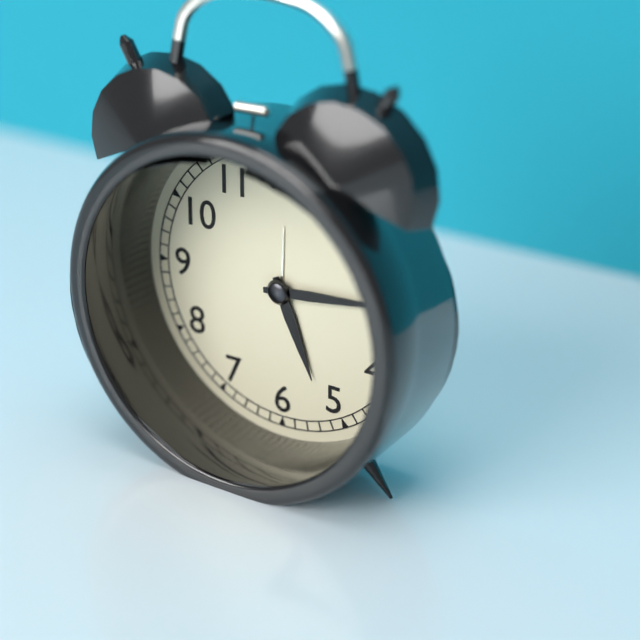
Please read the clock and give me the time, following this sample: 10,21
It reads 5,14
